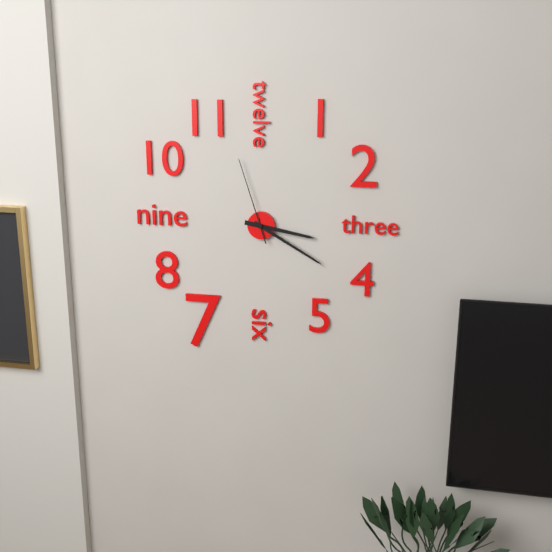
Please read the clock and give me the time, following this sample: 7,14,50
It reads 3,20,57
